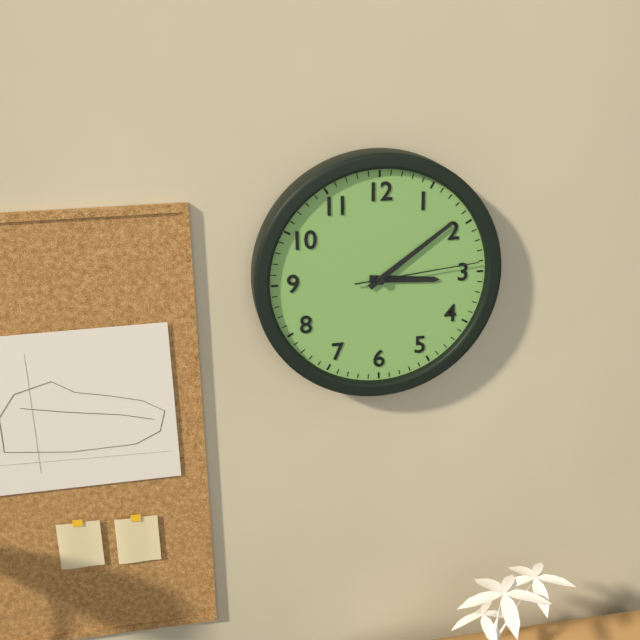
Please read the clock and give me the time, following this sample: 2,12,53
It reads 3,09,14
